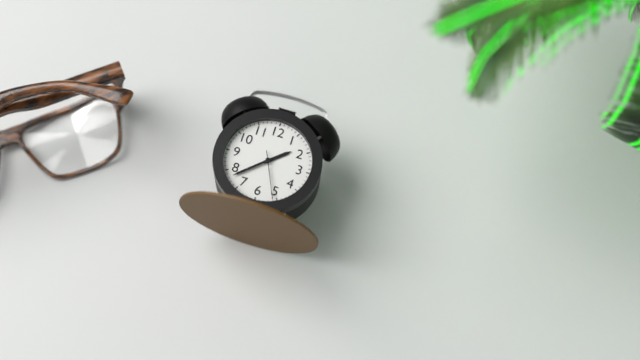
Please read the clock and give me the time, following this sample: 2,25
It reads 1,38
